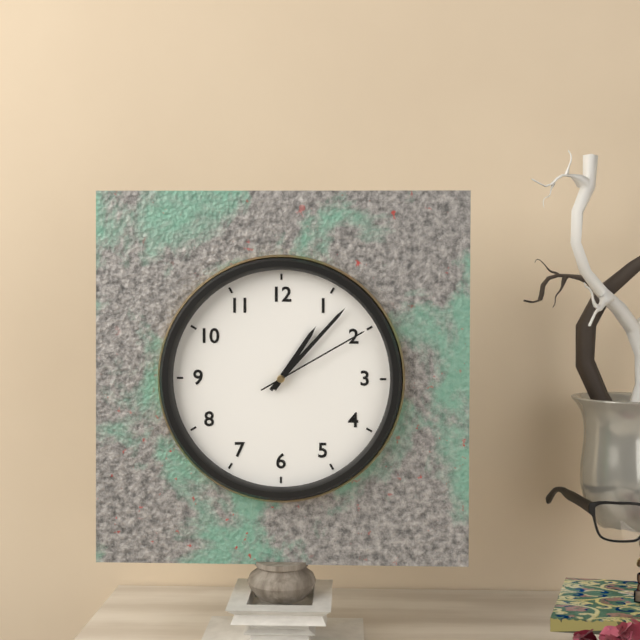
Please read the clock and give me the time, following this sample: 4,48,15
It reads 1,07,10
